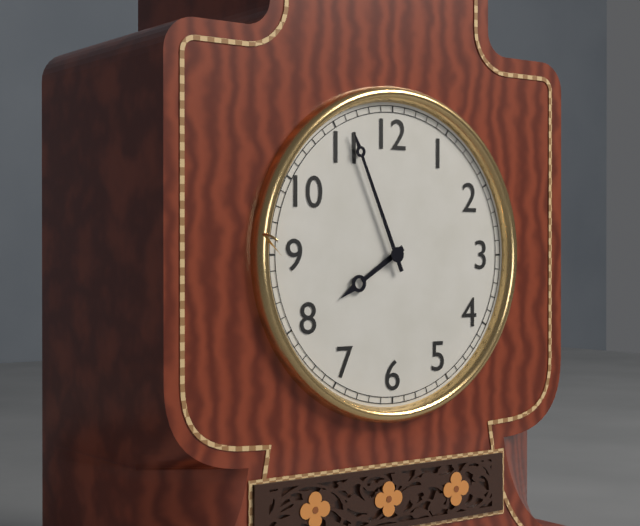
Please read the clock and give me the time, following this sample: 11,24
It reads 7,56
